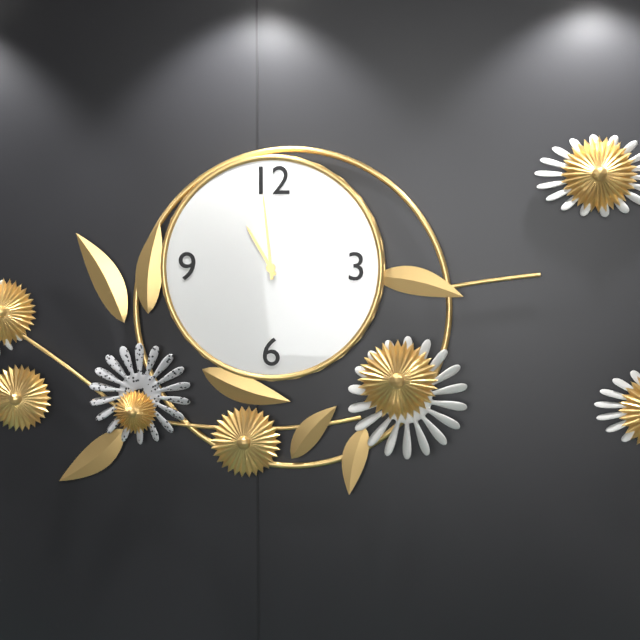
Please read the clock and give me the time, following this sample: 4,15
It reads 10,59
